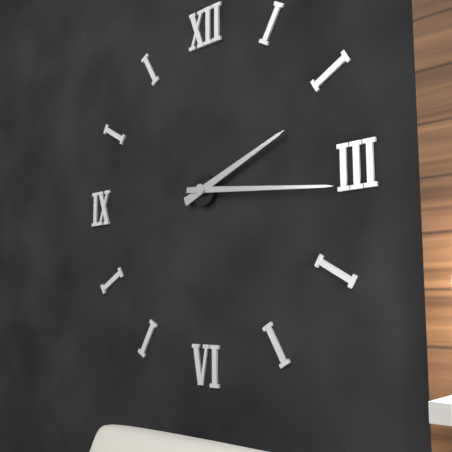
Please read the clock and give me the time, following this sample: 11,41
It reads 2,16
